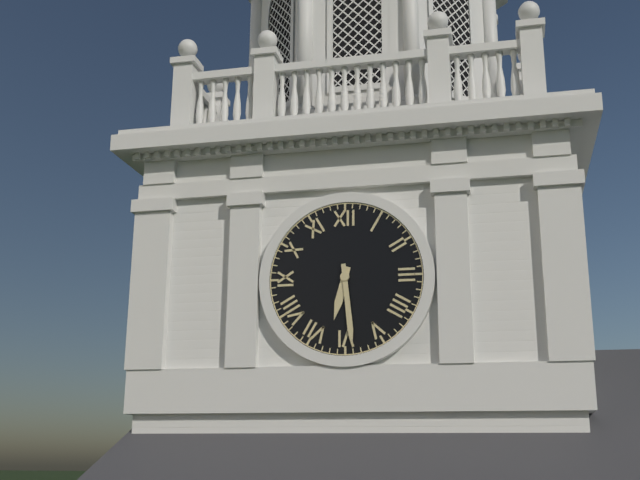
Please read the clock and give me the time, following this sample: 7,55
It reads 6,29
